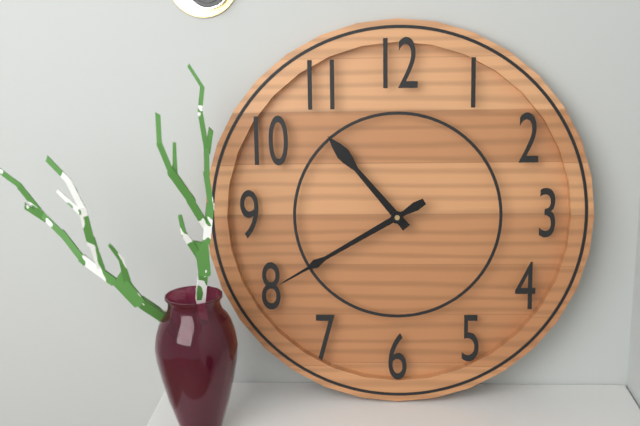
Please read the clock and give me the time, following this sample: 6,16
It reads 10,40
